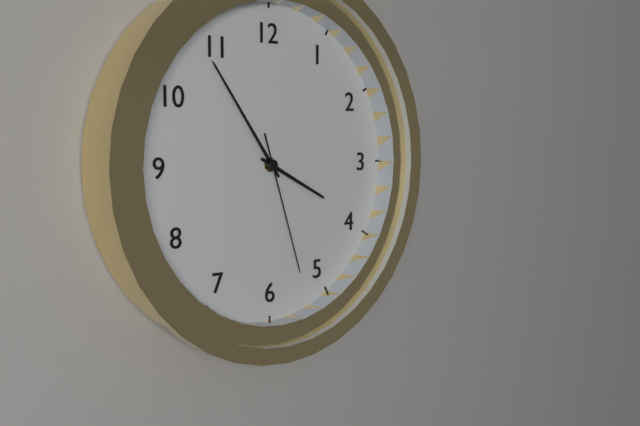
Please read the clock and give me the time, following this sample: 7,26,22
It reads 3,54,27
